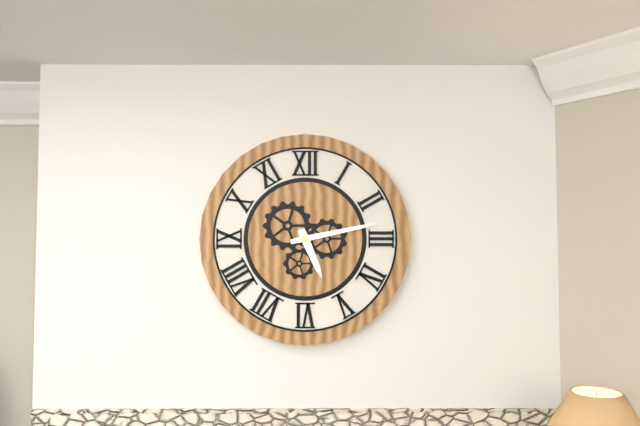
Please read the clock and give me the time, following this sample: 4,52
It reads 5,13
